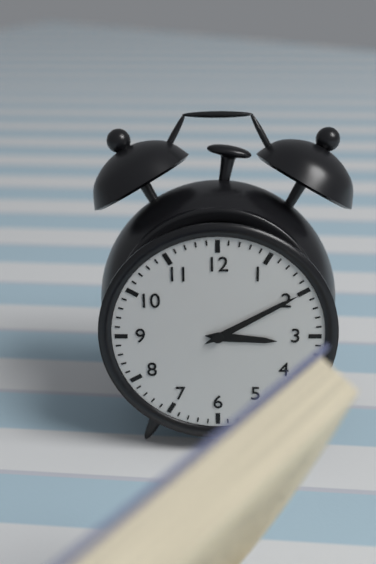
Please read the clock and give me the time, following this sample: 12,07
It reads 3,10
